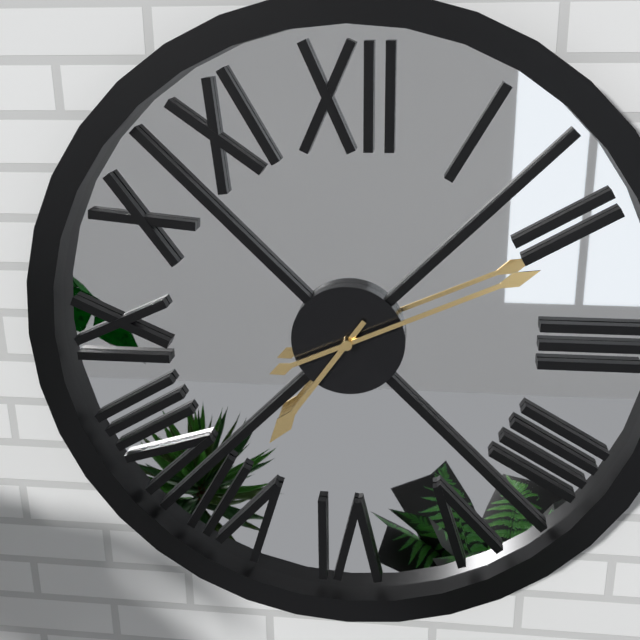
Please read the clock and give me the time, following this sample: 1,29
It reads 7,11
